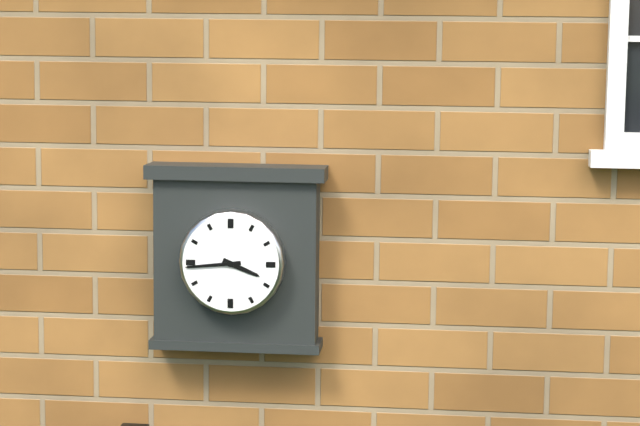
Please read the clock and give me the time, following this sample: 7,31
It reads 3,44
